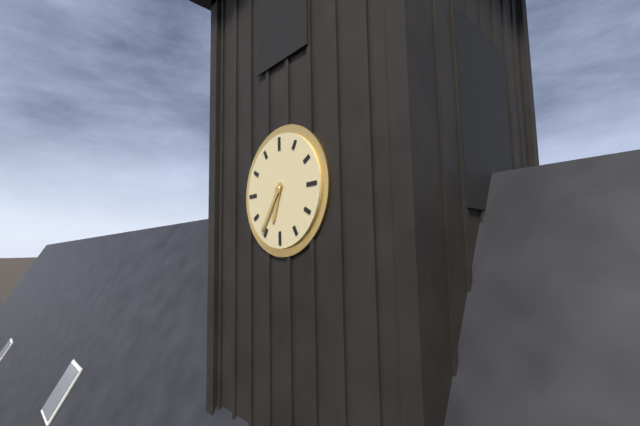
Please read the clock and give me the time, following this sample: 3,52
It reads 6,36
